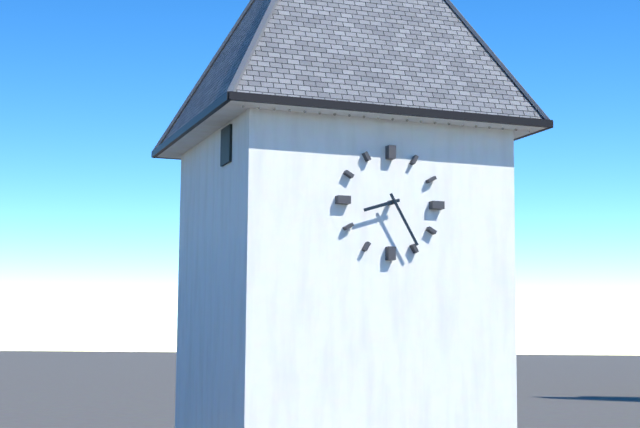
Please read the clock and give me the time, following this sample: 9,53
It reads 8,25
